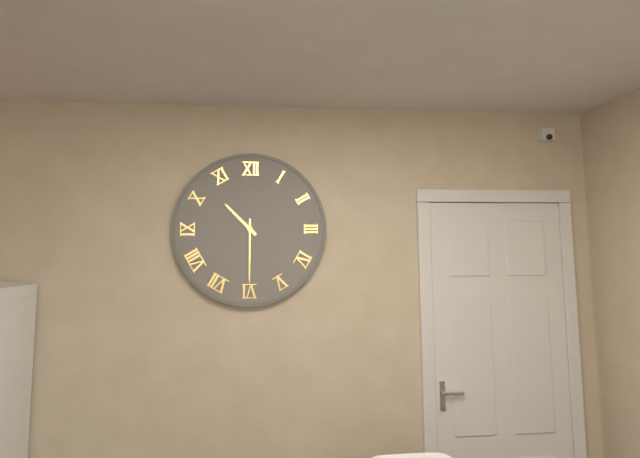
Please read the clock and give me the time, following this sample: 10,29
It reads 10,30
